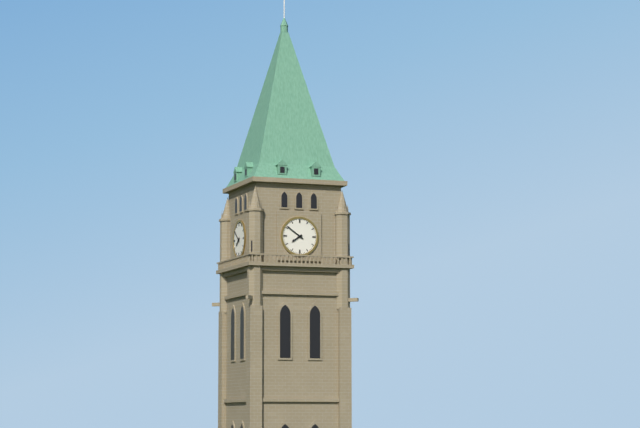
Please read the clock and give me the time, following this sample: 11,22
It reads 7,51
